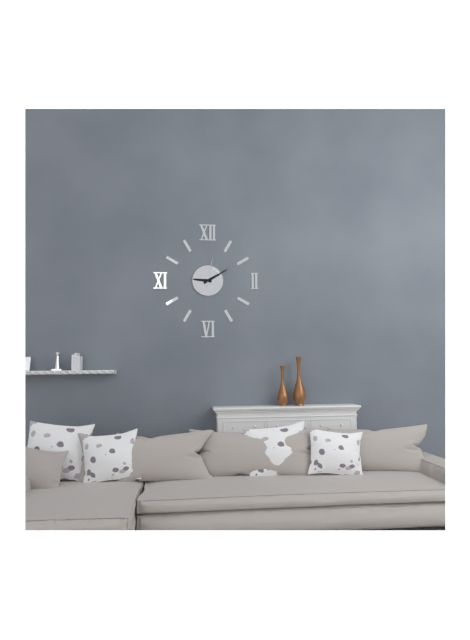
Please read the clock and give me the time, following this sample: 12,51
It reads 9,10
